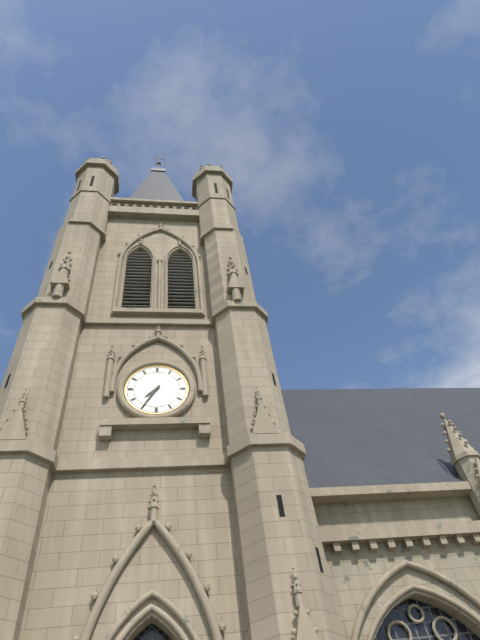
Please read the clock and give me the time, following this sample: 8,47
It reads 7,35
